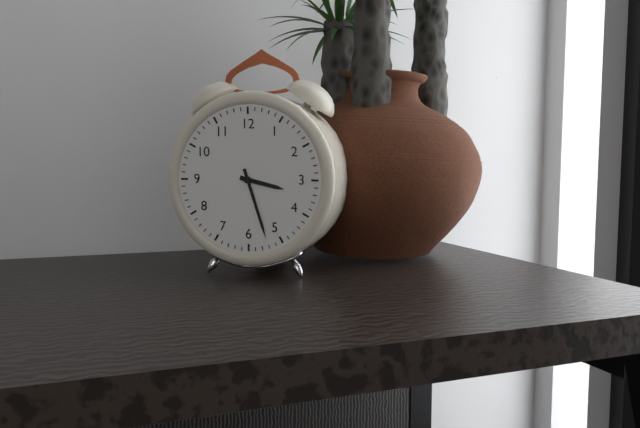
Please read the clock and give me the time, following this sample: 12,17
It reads 3,27
